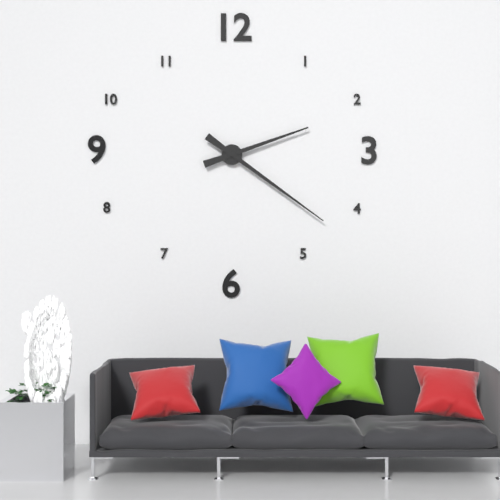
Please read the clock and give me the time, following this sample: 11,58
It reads 2,21
